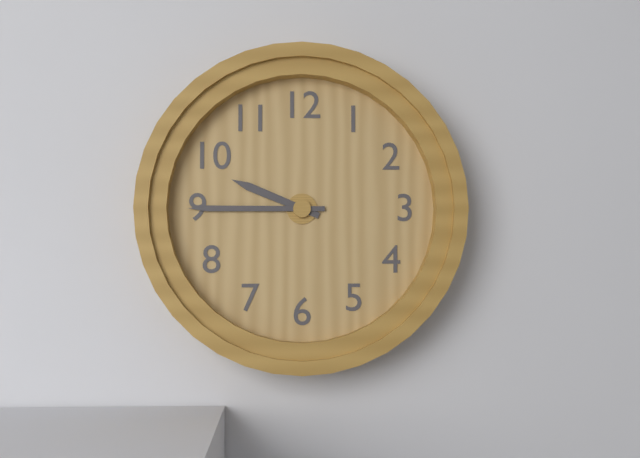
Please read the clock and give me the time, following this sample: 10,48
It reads 9,45
